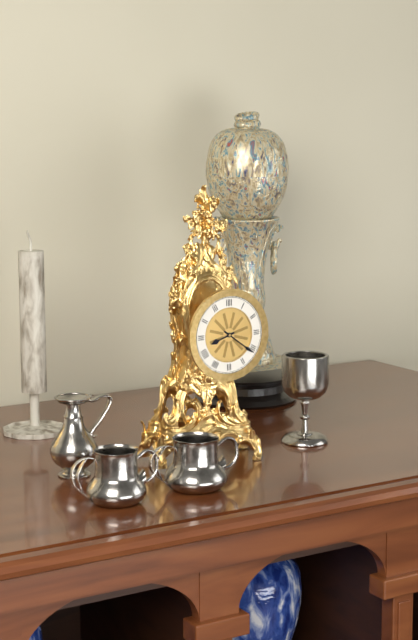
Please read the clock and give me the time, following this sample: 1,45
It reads 8,21
